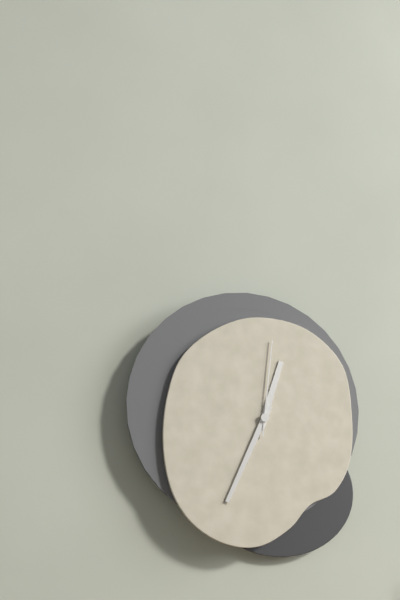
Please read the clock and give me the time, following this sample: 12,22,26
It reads 12,34,01
